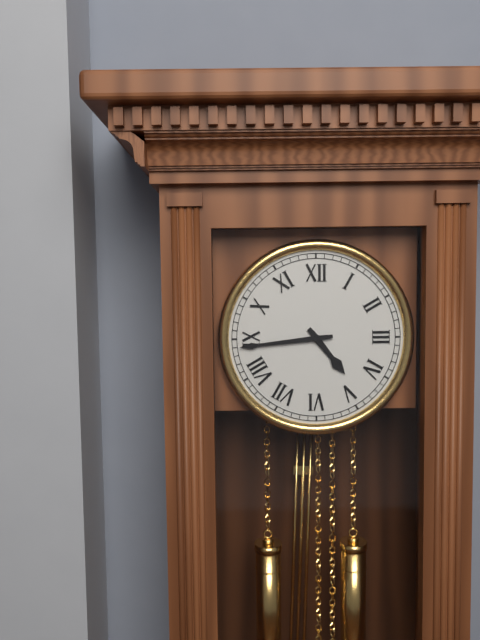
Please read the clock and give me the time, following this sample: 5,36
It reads 4,44
